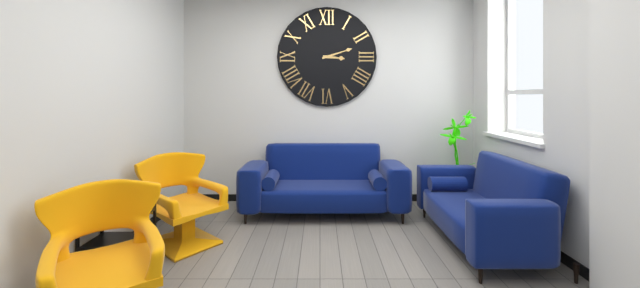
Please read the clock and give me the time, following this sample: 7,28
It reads 3,12
